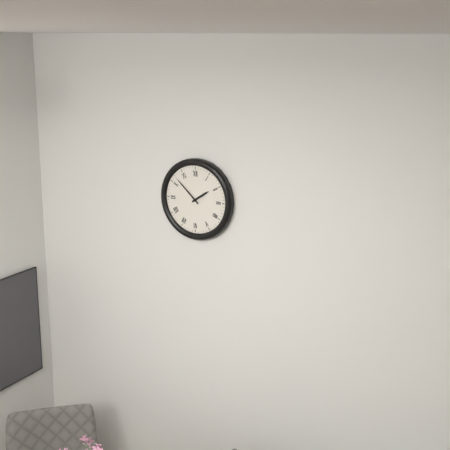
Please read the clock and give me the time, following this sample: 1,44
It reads 1,52
